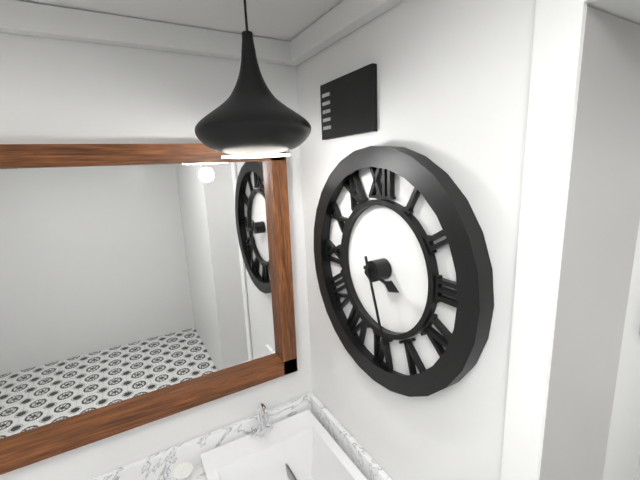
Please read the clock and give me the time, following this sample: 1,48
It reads 3,27
